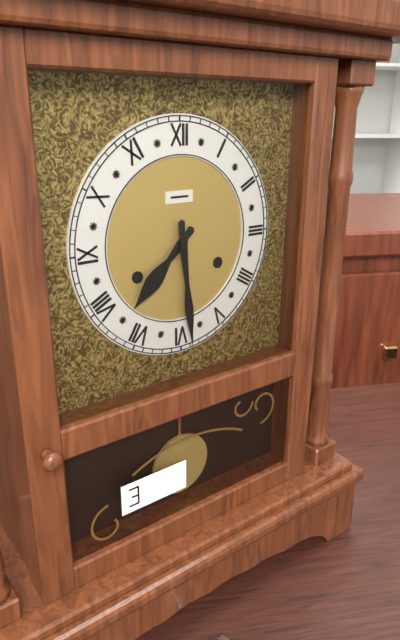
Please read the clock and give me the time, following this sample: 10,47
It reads 7,29
